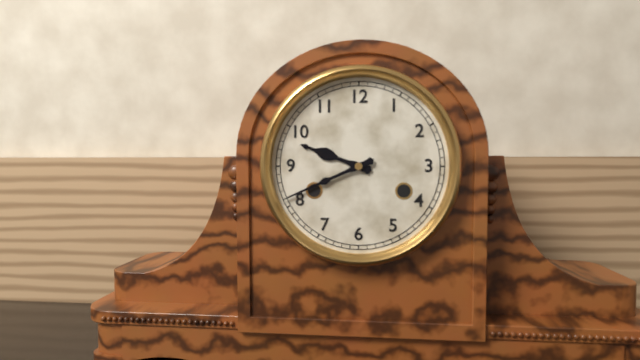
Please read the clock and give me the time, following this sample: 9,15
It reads 9,41
